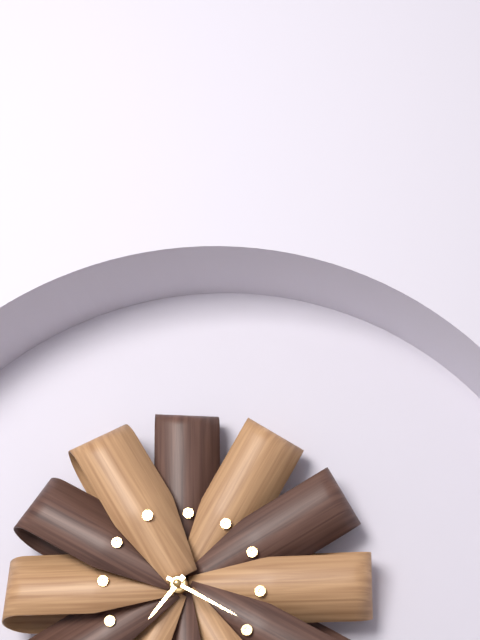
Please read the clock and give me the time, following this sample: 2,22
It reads 7,20
